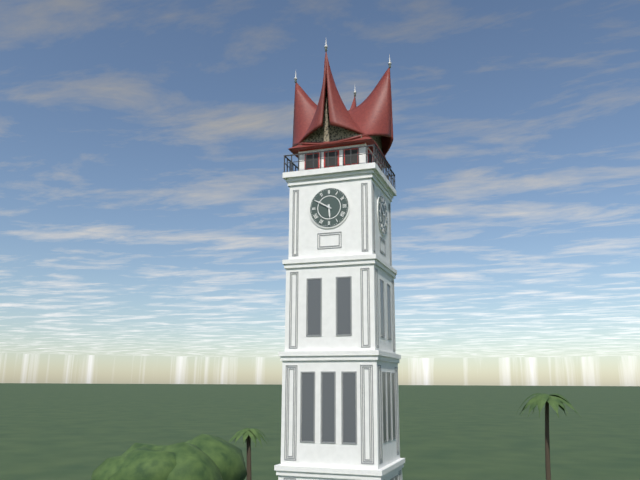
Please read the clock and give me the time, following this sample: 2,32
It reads 5,50
